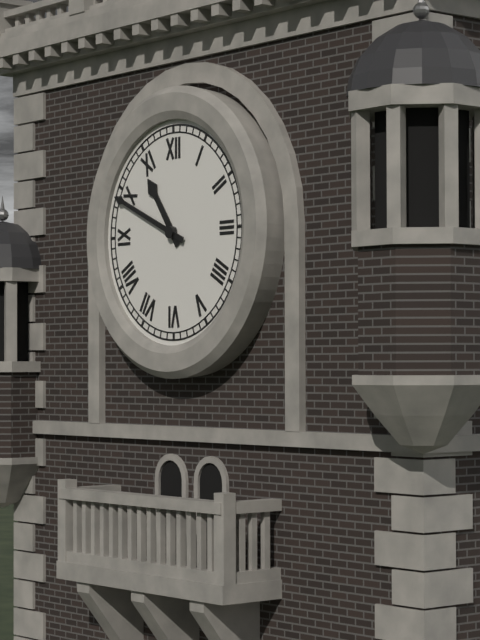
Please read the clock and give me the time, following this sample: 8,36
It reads 10,49
